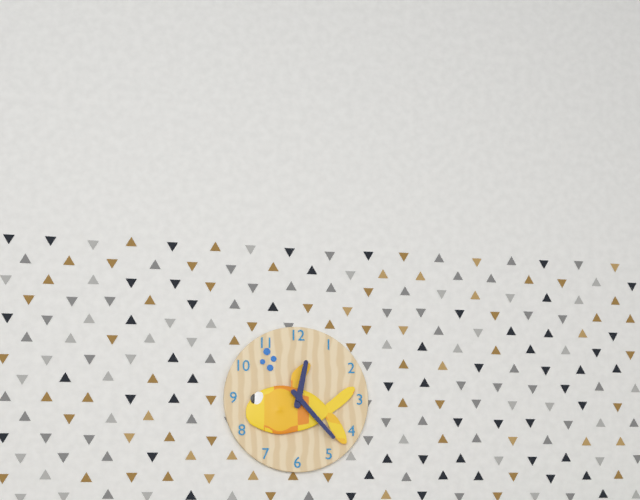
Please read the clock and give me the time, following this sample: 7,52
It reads 12,23
